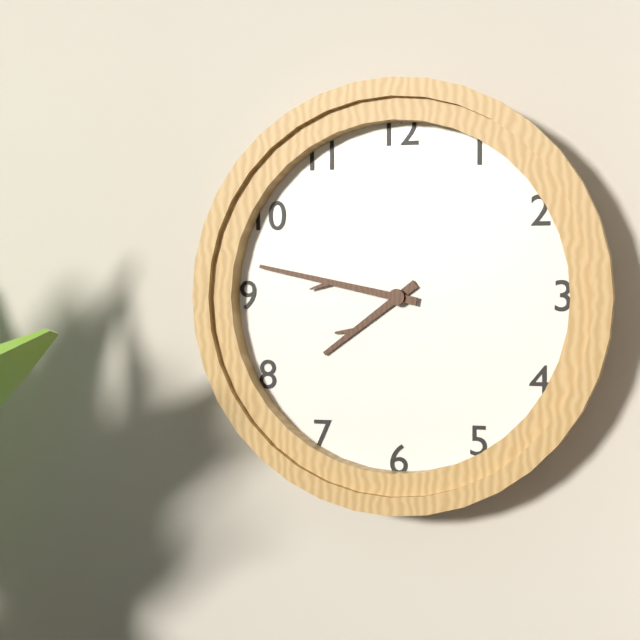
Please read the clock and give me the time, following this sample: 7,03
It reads 7,47
